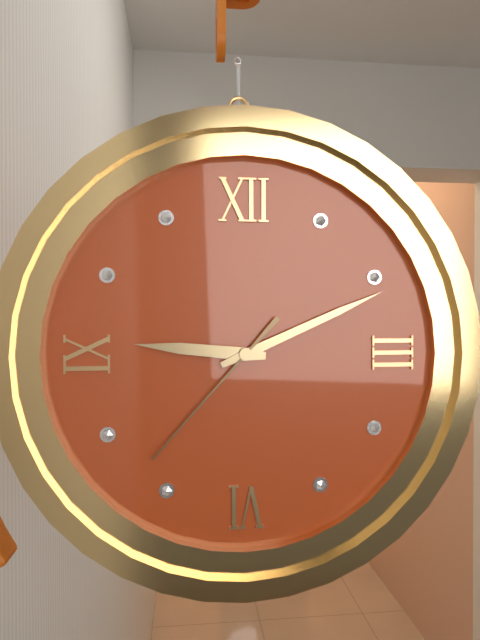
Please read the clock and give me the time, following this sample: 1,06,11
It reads 9,11,37
